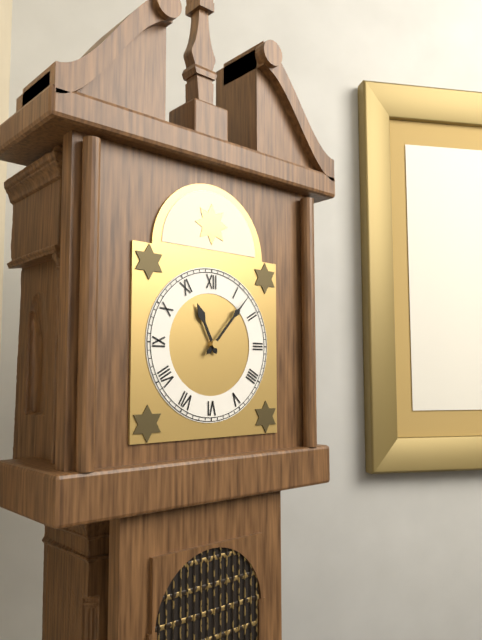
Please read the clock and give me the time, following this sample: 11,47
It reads 11,07
